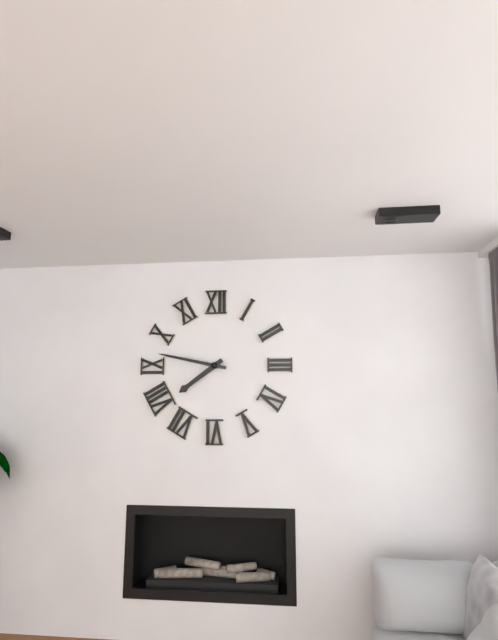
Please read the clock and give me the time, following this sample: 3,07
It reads 7,47
